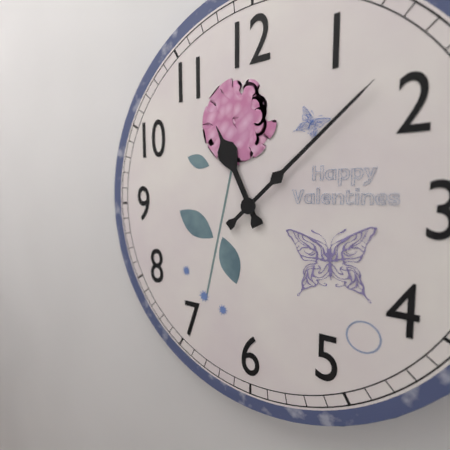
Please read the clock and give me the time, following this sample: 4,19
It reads 11,08
